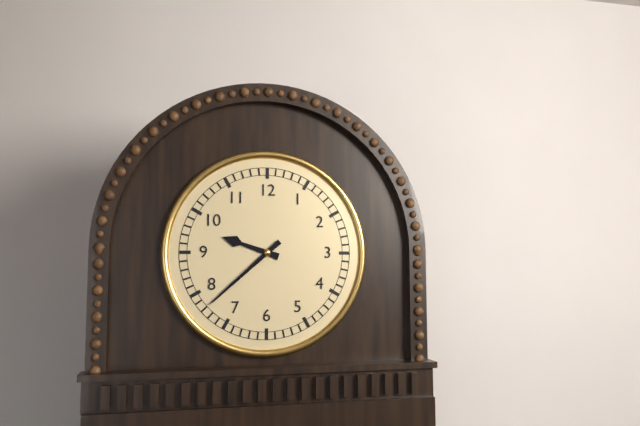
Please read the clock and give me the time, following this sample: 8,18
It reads 9,38
